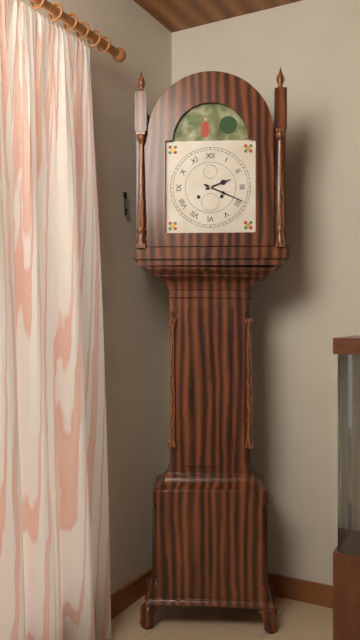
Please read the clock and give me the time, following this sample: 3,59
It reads 2,19
